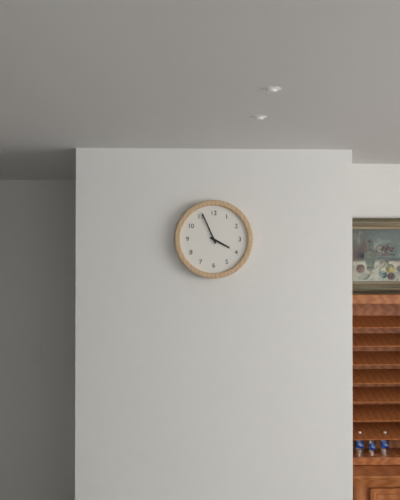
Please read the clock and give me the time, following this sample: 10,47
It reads 3,56
